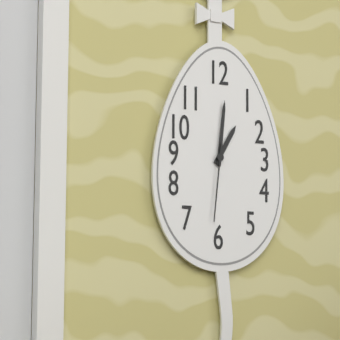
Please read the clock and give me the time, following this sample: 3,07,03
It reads 1,01,31
